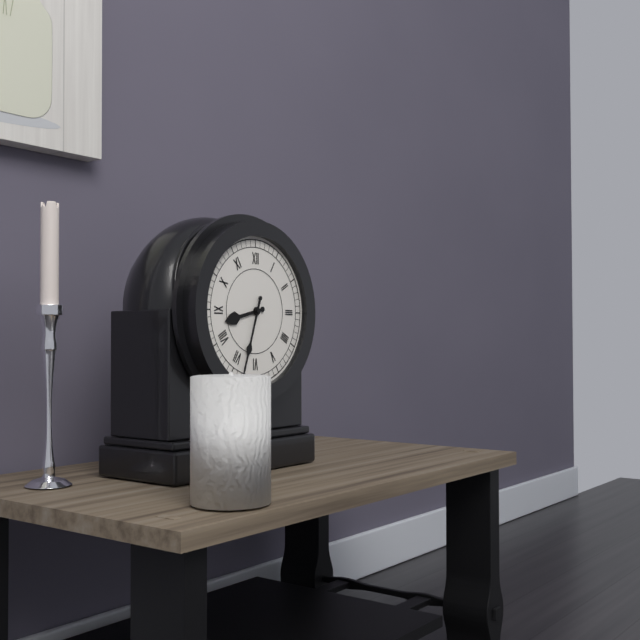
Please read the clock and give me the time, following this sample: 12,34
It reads 8,33
